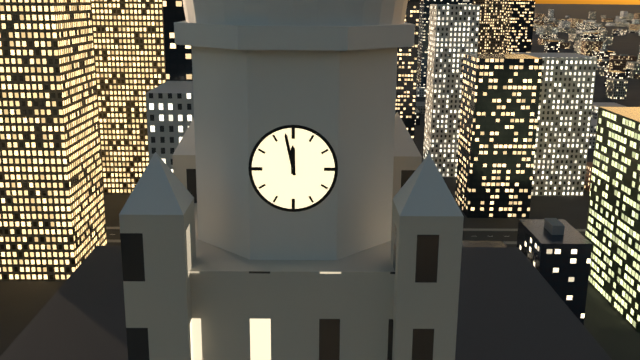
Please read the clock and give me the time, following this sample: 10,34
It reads 11,58
